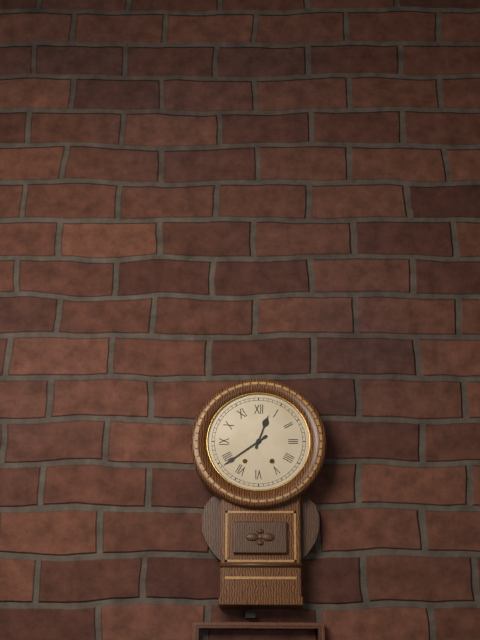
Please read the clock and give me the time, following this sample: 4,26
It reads 12,39
